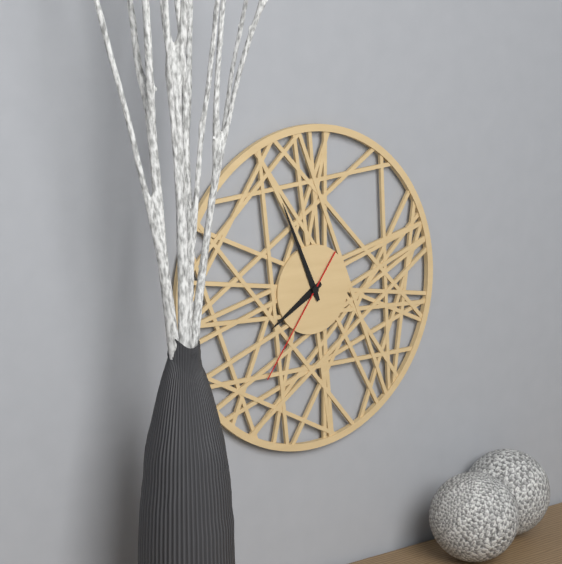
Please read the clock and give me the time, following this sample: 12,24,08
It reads 7,56,36
